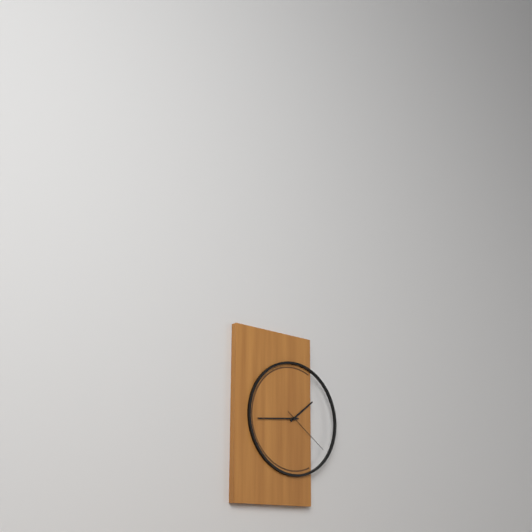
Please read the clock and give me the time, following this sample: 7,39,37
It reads 1,44,21
